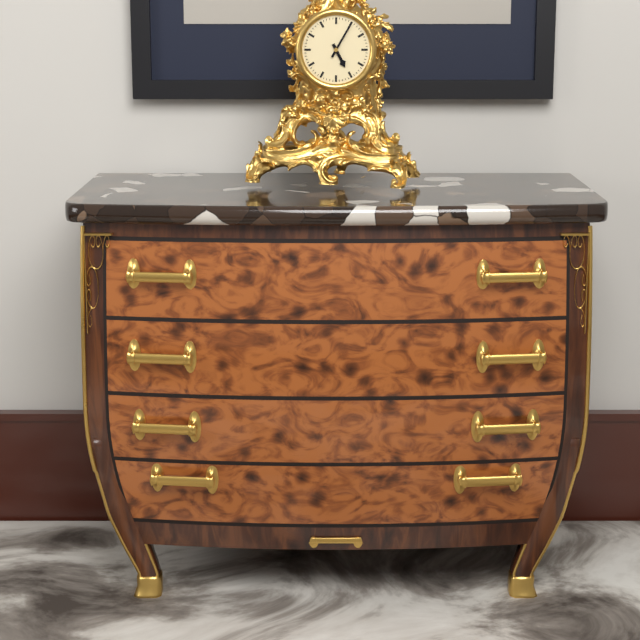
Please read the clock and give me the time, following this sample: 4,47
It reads 5,05
